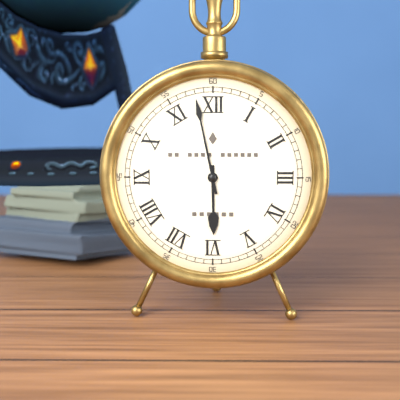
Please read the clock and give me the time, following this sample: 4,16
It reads 5,58
